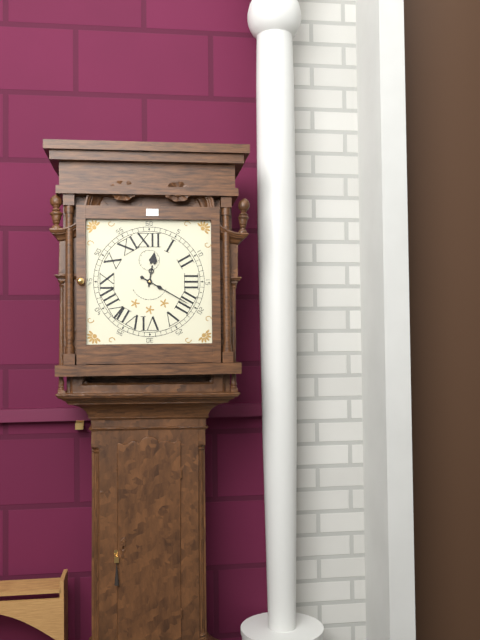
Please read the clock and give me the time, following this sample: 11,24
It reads 12,20
